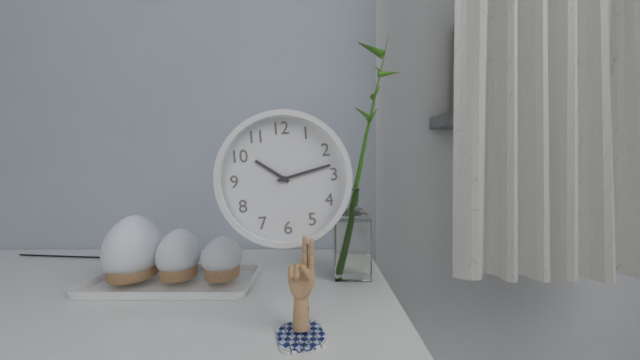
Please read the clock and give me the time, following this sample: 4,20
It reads 10,13
